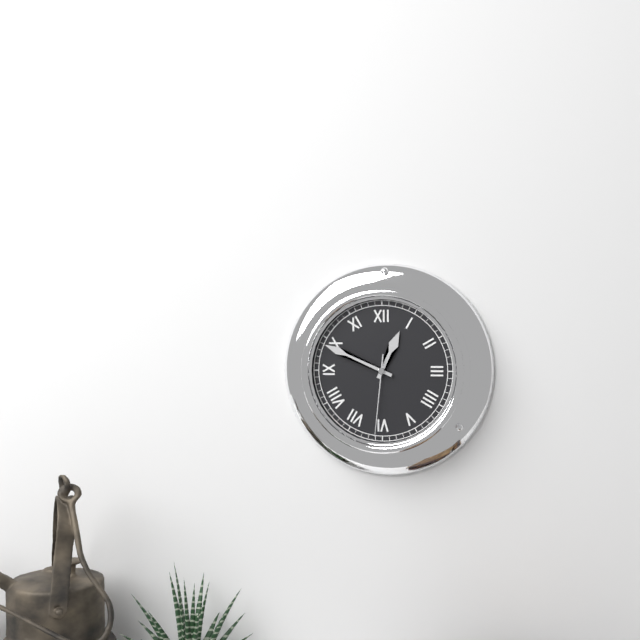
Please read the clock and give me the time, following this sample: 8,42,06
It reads 12,49,31
